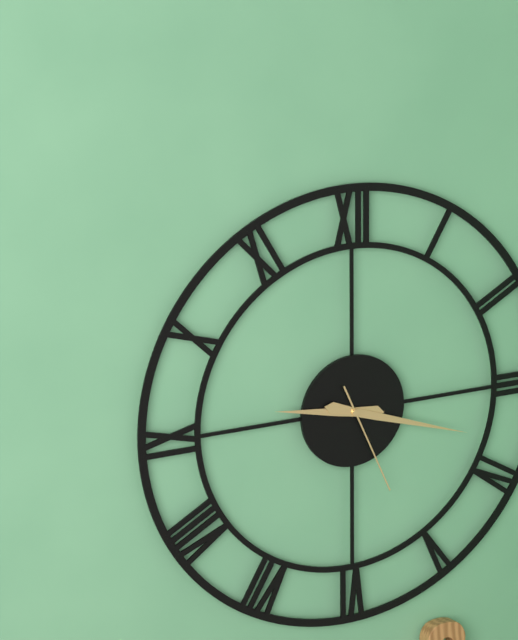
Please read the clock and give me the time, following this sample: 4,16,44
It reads 9,18,26
